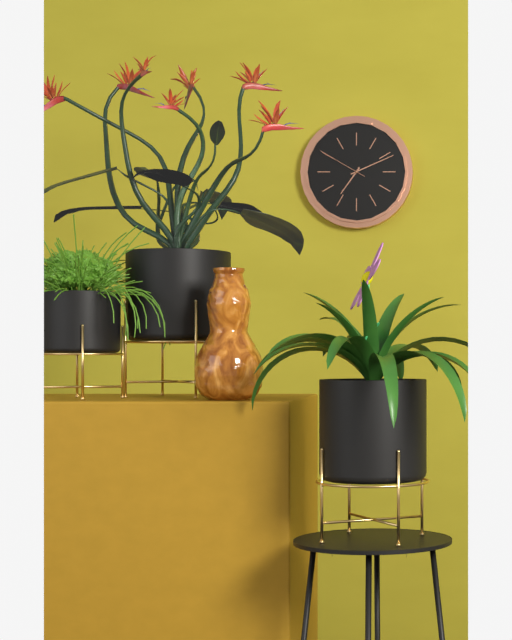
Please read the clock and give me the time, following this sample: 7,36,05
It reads 7,11,50
